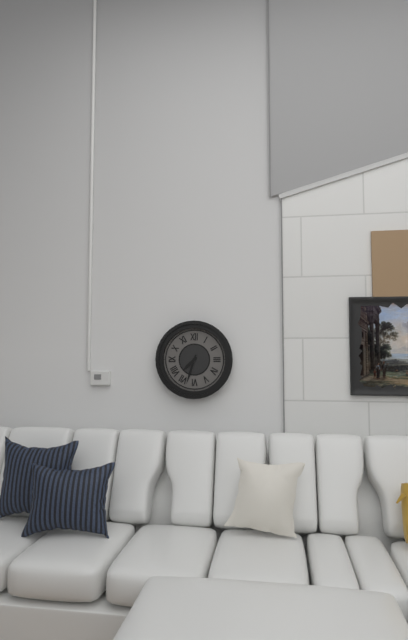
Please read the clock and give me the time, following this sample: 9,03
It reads 7,33
